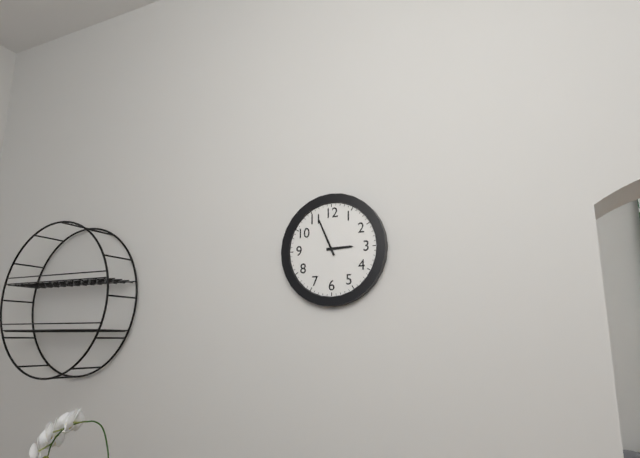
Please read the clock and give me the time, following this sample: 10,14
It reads 2,56
